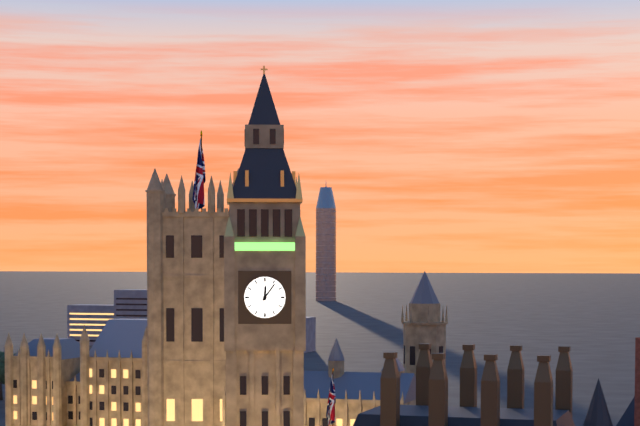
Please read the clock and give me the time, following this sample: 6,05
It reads 12,06
